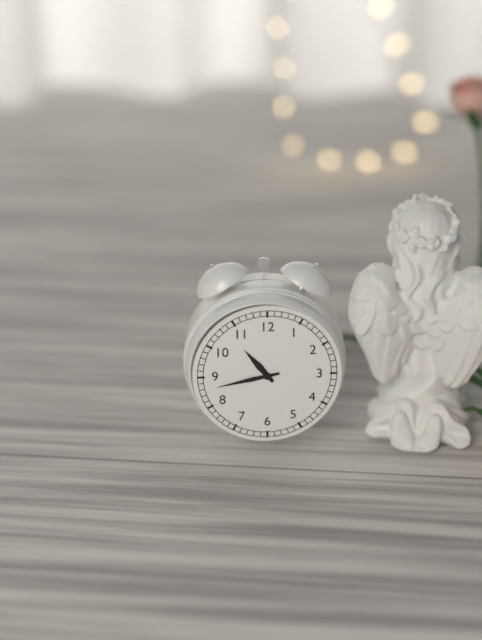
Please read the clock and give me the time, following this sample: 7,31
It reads 10,43
